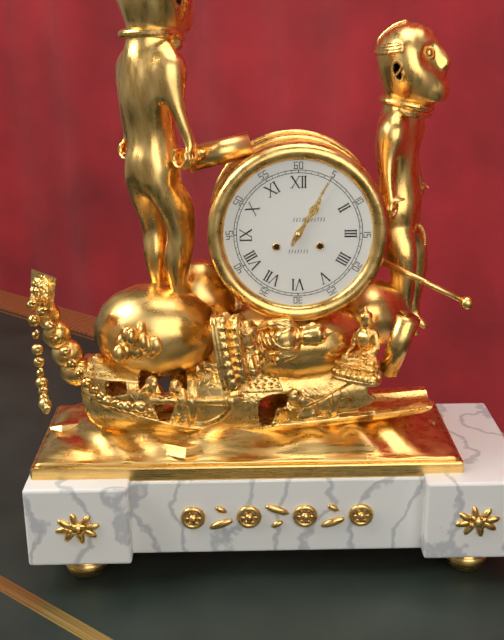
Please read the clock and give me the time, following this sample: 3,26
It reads 1,05
